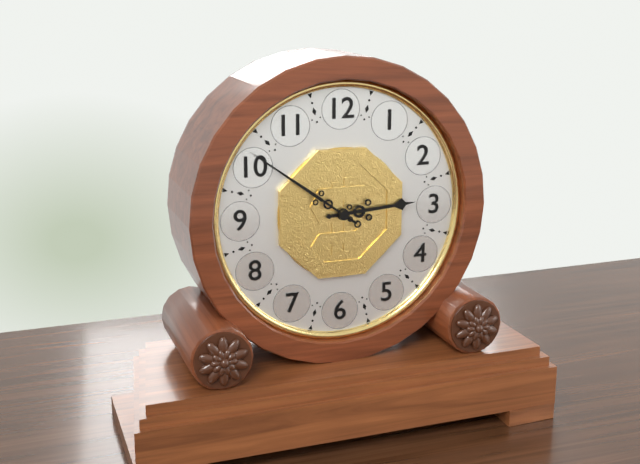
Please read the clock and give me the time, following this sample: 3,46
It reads 2,51
